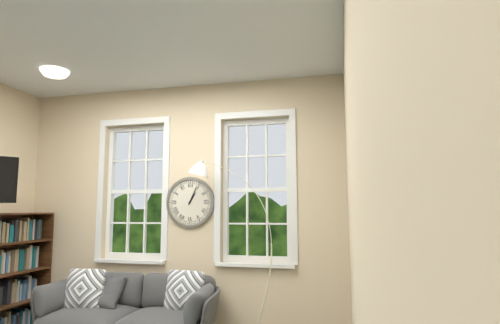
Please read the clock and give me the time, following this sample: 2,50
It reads 1,04
